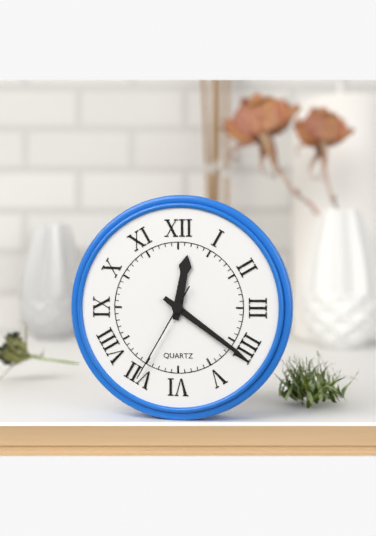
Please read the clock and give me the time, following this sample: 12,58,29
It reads 12,21,35
